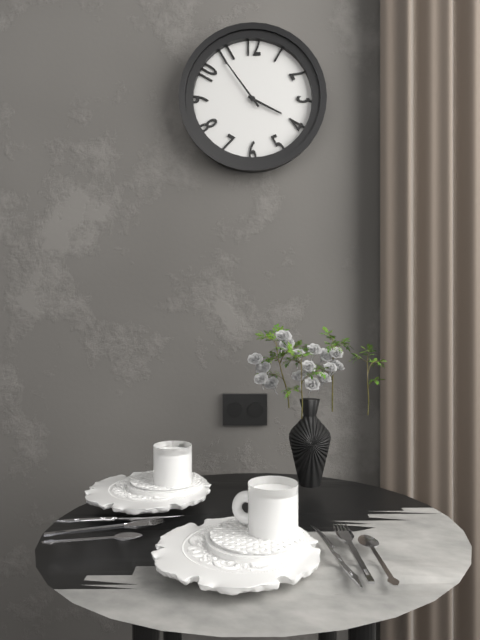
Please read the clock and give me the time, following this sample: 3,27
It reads 3,54
